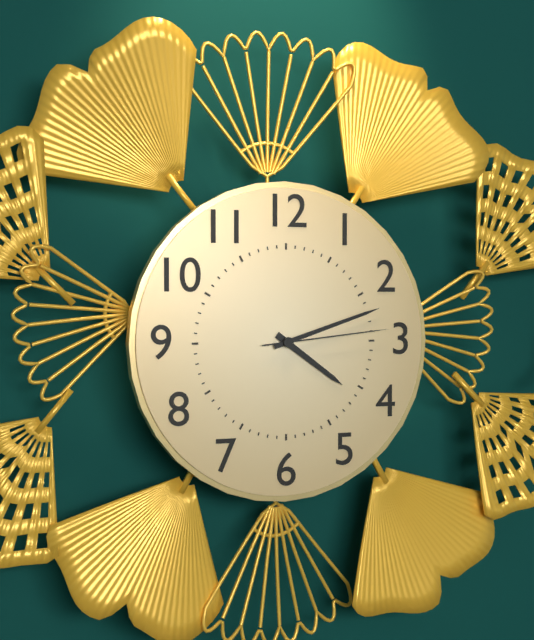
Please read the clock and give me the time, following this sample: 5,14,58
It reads 4,12,14
